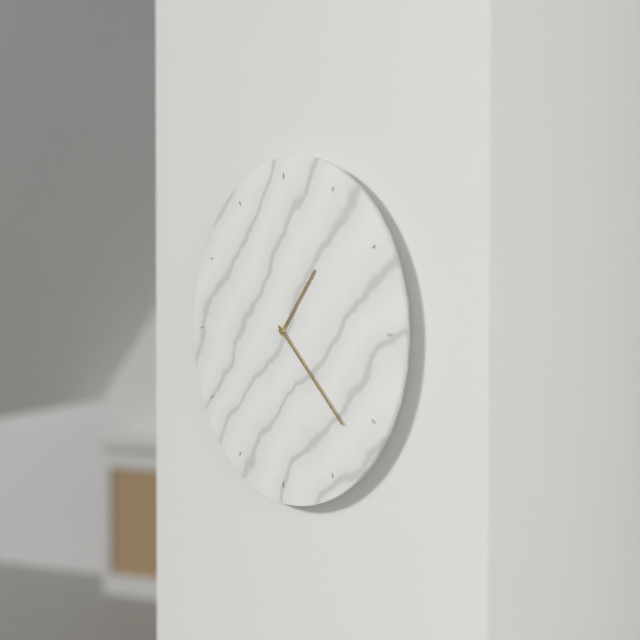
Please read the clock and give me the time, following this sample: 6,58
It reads 1,22
